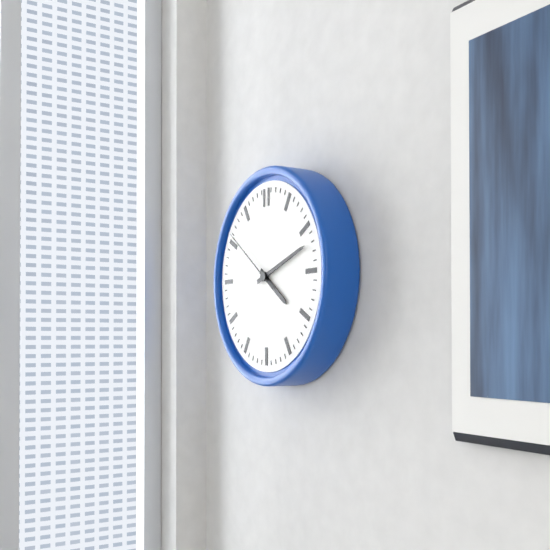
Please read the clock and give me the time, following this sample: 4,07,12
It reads 4,12,51
